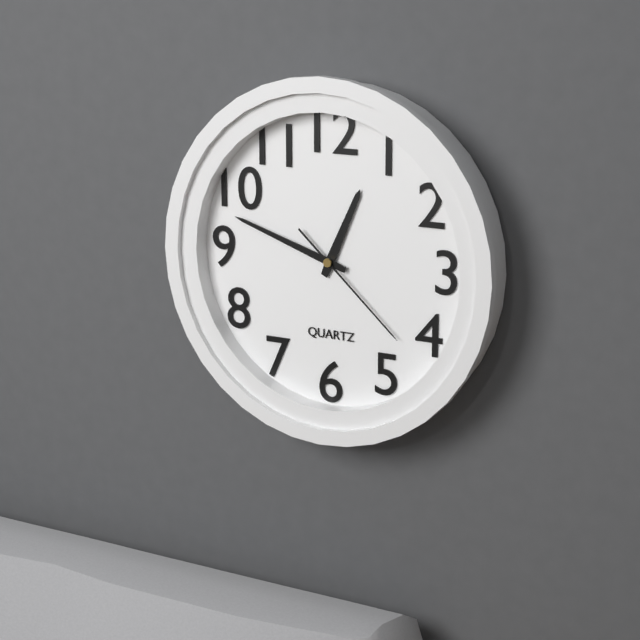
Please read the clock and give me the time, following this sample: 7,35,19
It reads 12,48,22
